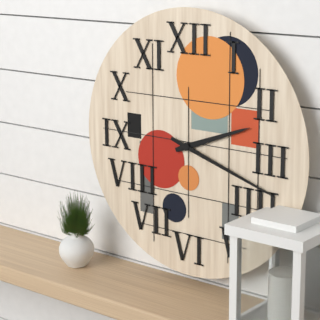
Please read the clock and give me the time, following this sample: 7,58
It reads 2,18
